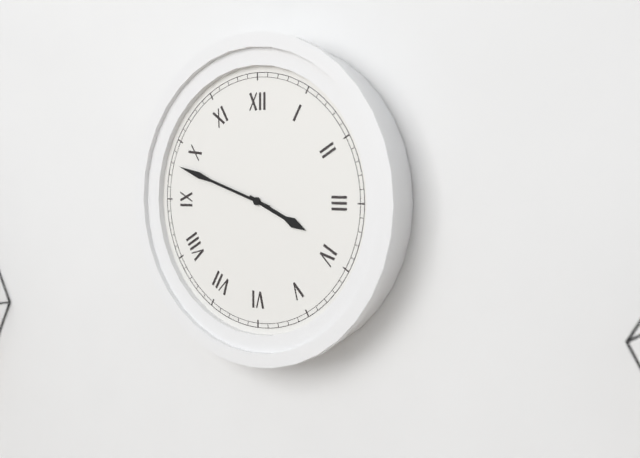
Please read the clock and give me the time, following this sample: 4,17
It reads 3,48
